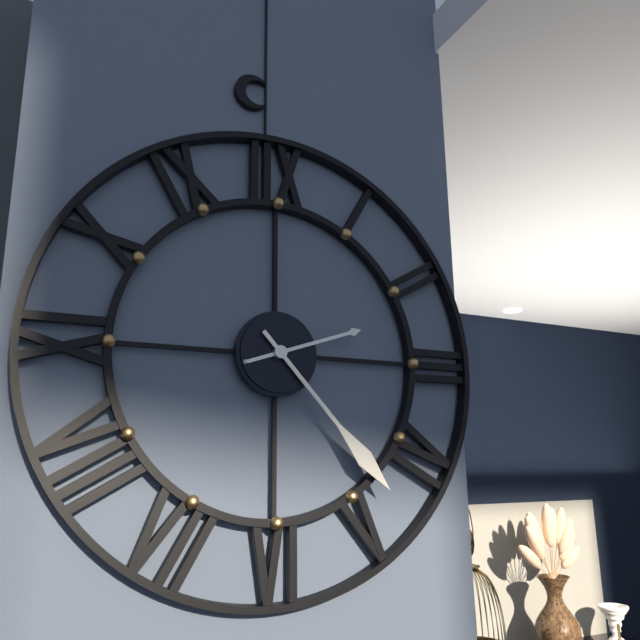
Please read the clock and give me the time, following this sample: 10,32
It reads 2,23
